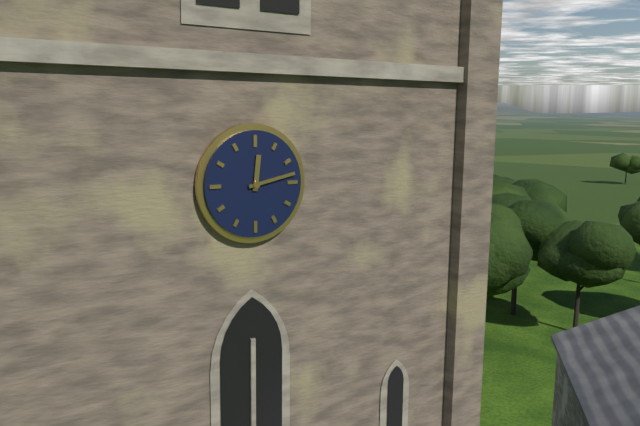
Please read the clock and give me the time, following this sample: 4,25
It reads 12,13
